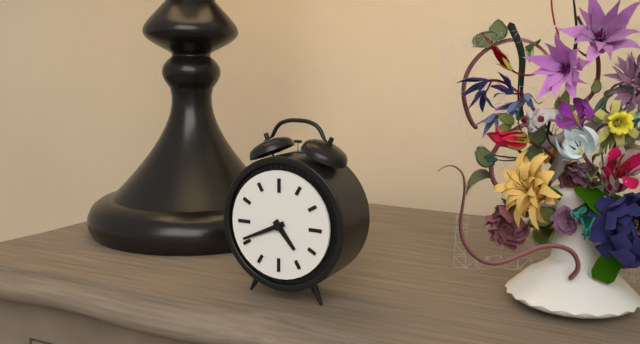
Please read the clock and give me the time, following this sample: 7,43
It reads 4,41
